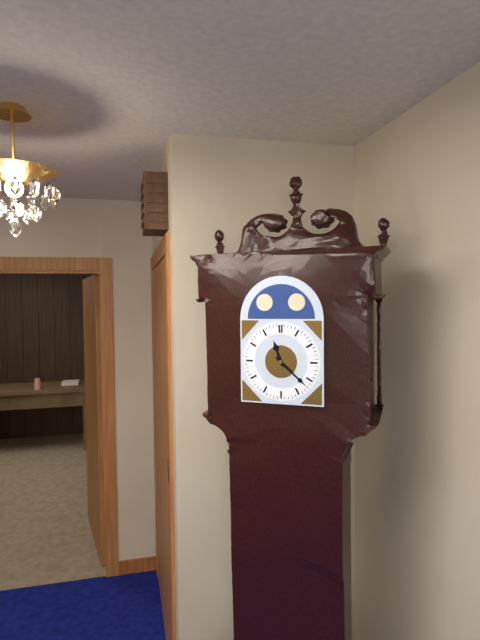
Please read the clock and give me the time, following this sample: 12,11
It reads 11,22
